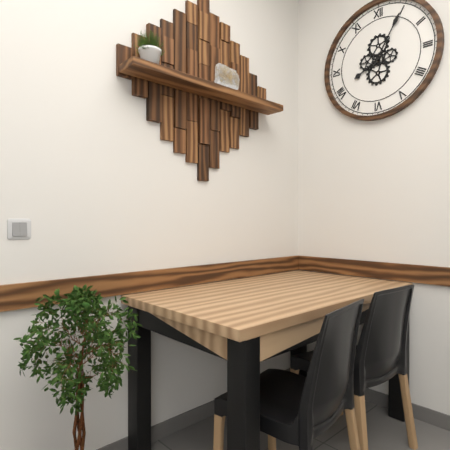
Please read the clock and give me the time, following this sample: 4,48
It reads 8,05
